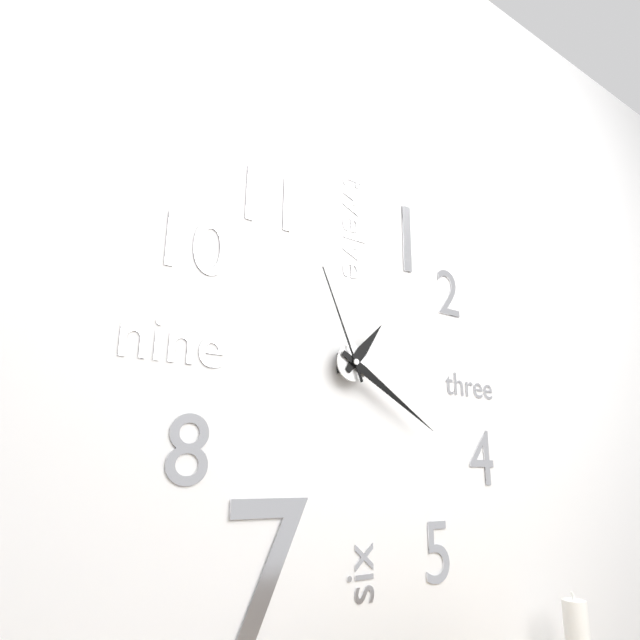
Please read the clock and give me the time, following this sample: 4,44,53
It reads 1,20,56
